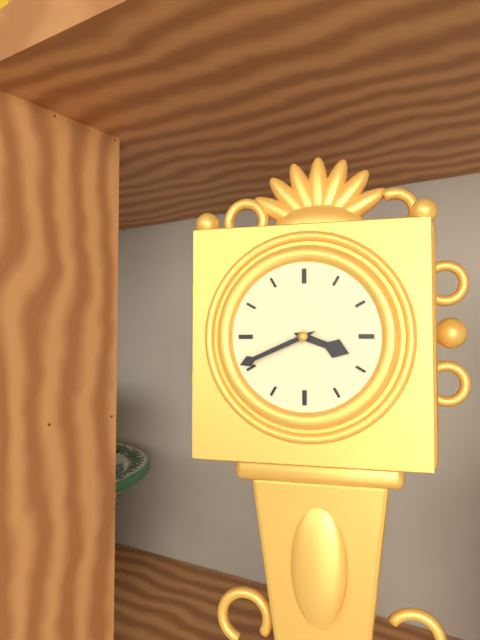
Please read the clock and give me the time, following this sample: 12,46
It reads 3,41
